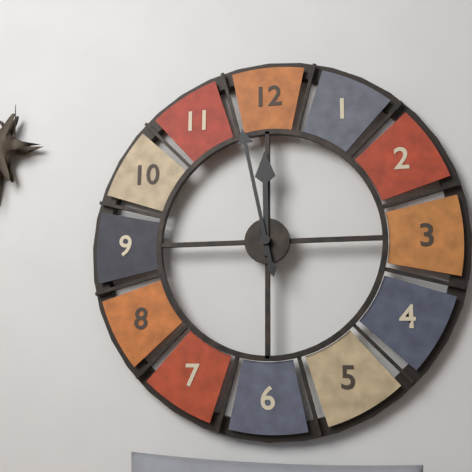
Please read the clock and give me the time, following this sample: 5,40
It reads 11,58
